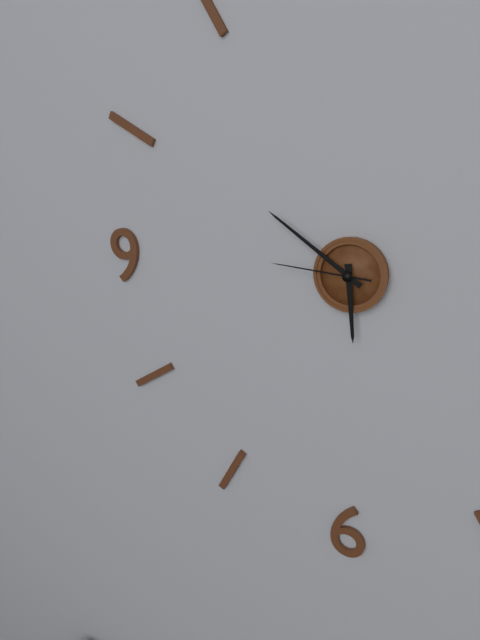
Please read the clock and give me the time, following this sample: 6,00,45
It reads 5,51,46
